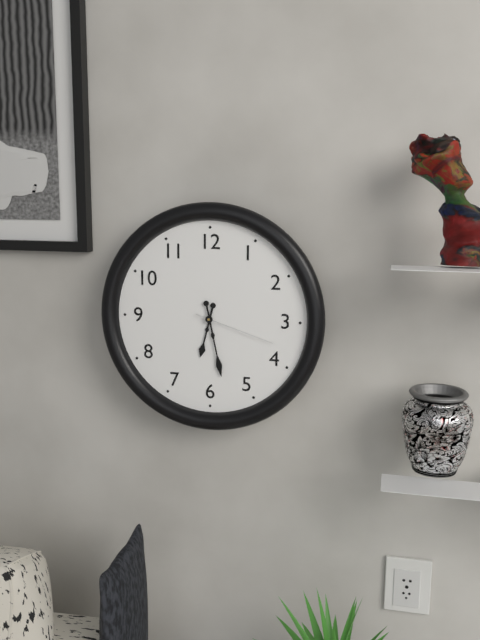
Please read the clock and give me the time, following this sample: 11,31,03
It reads 6,28,18
